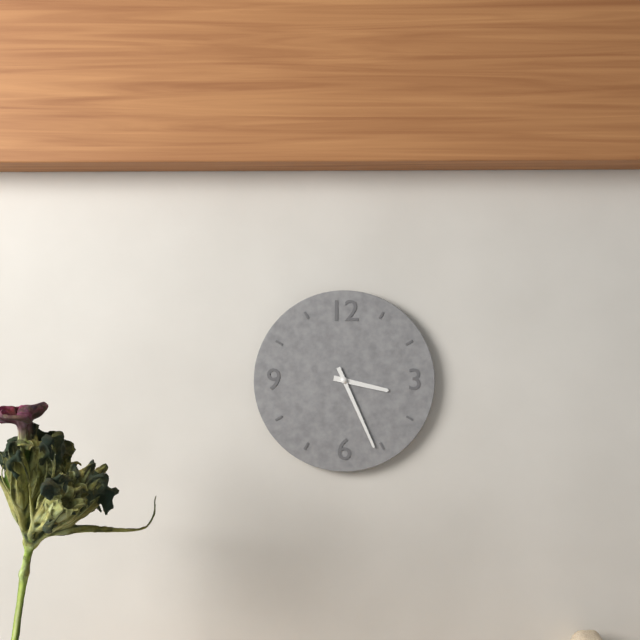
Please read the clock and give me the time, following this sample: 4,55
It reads 3,26
